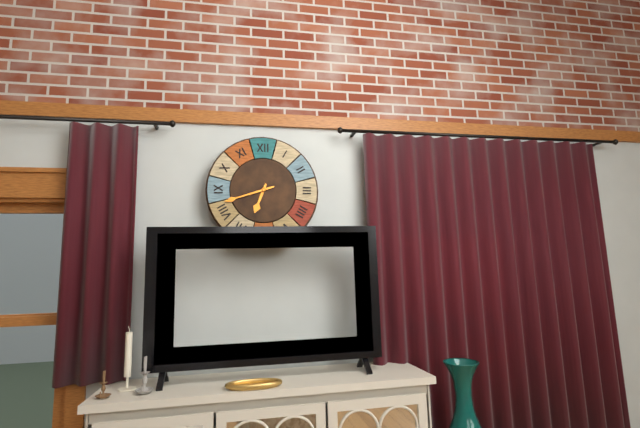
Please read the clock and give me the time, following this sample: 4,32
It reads 6,42
